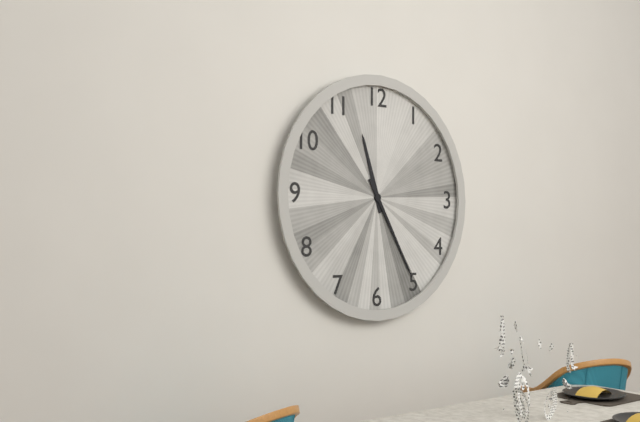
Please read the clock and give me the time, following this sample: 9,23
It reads 11,25
